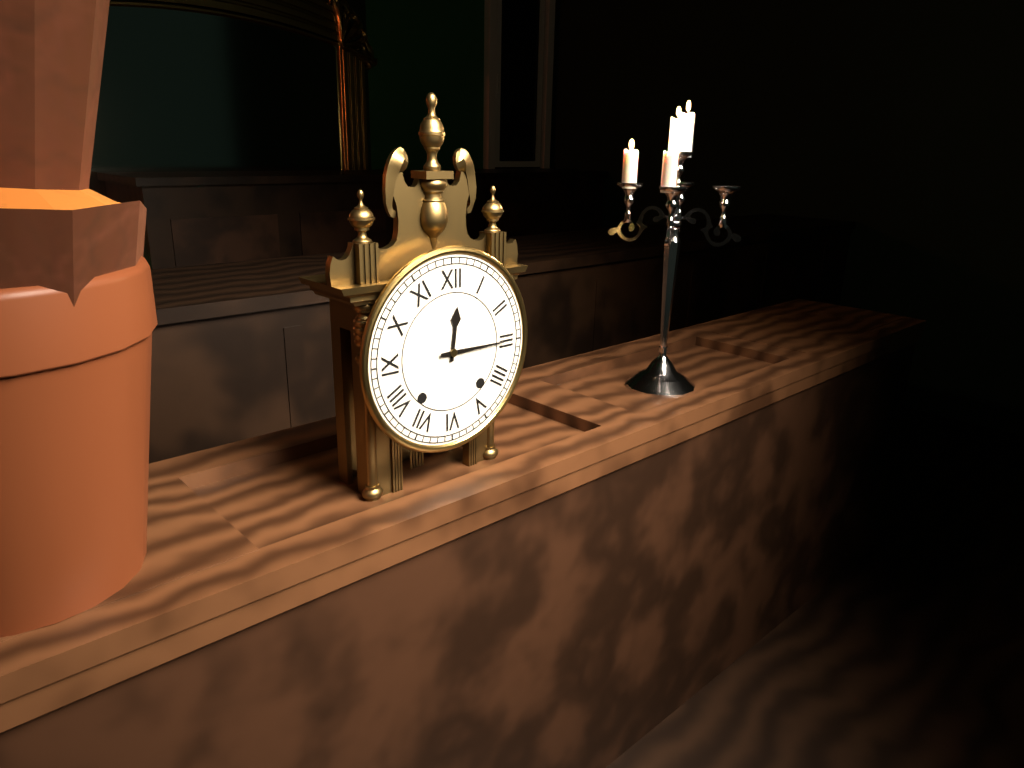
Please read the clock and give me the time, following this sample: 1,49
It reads 12,15
